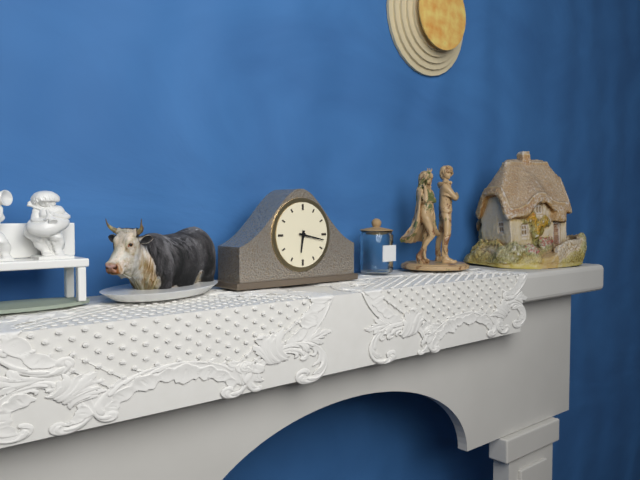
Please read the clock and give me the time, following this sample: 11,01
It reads 6,17
